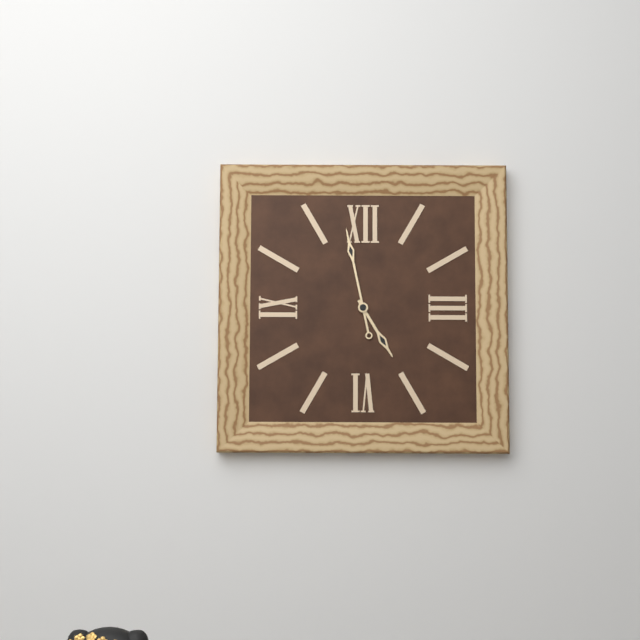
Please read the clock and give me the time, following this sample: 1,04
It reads 4,58
